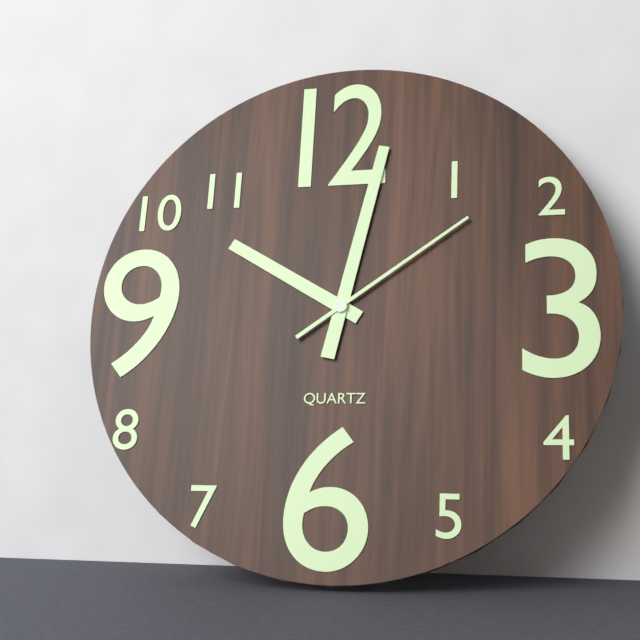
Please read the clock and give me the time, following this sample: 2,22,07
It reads 10,02,09
